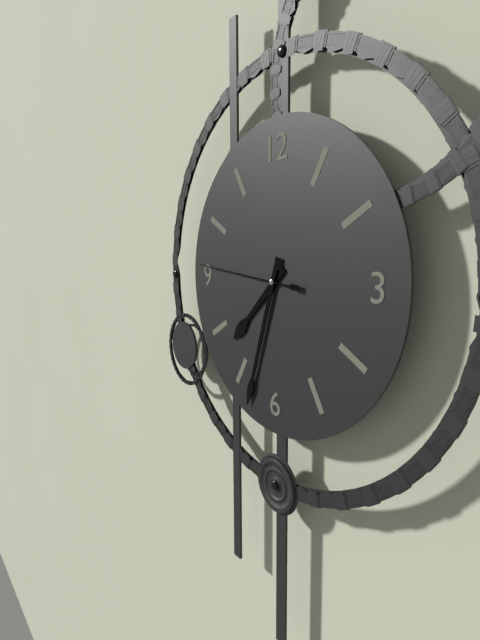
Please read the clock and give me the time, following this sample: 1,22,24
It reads 7,33,46
